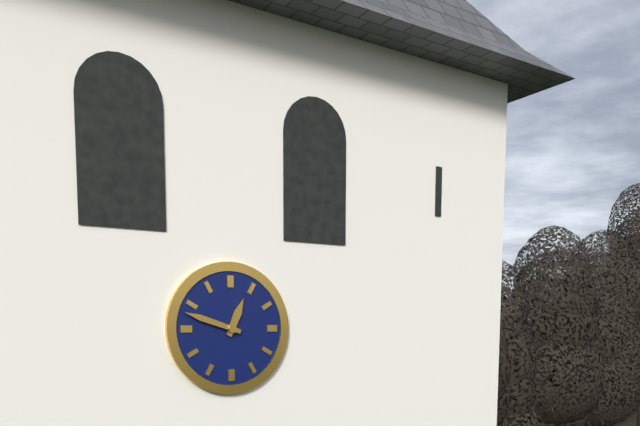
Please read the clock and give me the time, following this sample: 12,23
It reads 12,48
